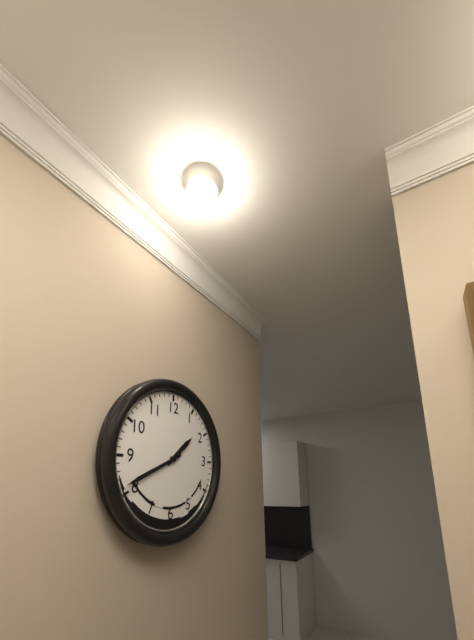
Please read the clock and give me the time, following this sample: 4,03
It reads 1,41
